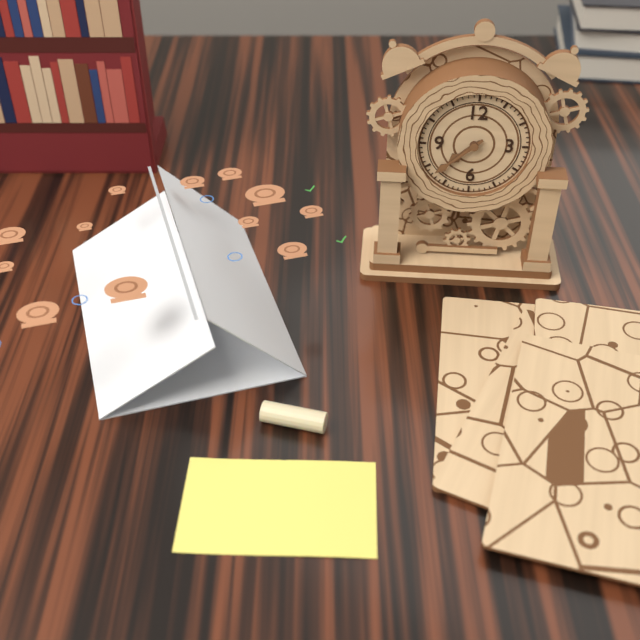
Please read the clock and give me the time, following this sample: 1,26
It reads 7,38
